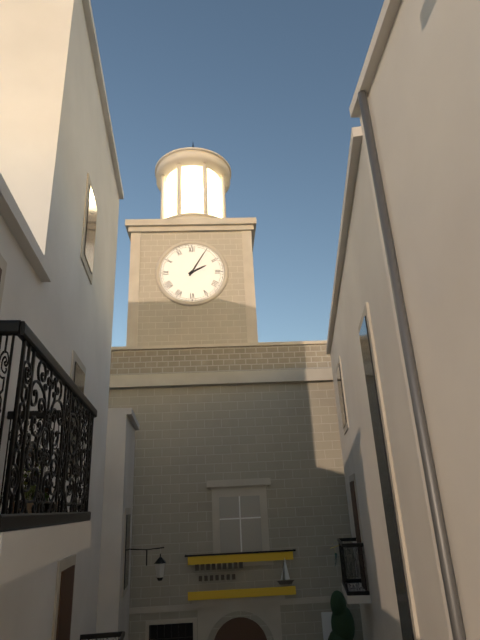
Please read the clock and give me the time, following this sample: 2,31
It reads 2,05
